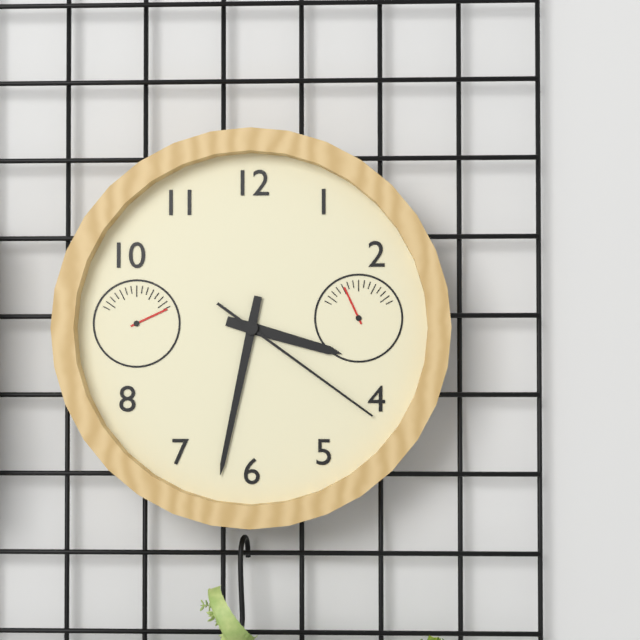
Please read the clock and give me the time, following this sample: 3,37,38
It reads 3,32,21
